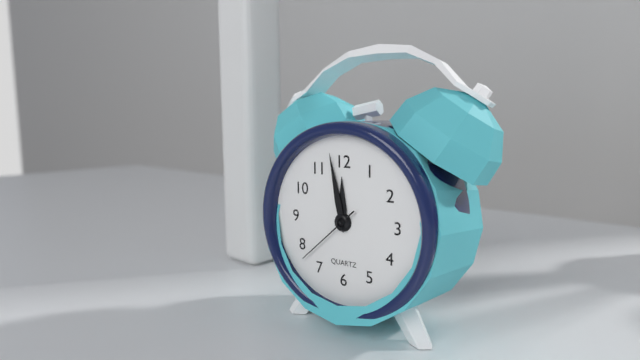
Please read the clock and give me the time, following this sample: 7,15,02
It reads 11,58,38
